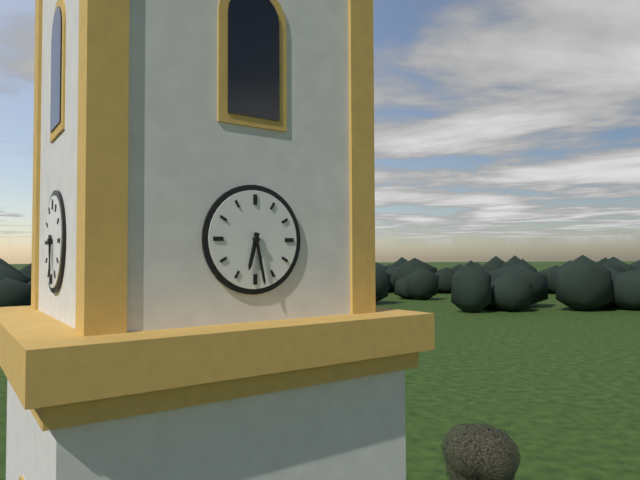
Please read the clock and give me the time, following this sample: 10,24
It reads 6,28
